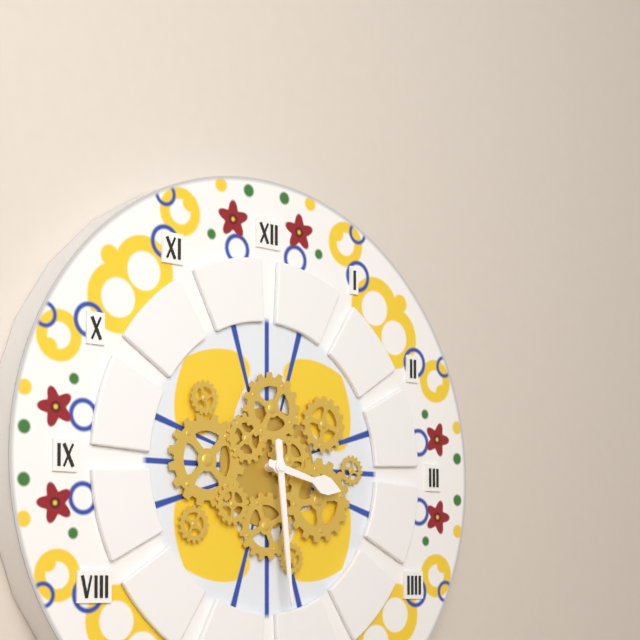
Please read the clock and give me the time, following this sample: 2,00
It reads 3,29
